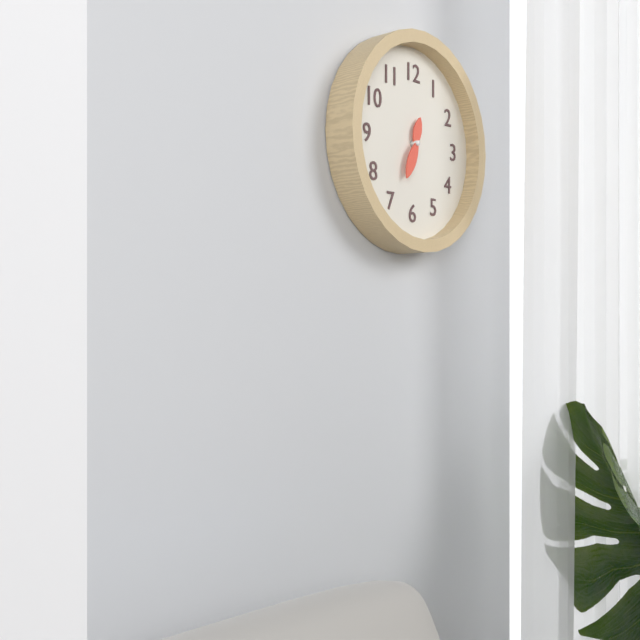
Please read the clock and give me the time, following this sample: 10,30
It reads 12,34
